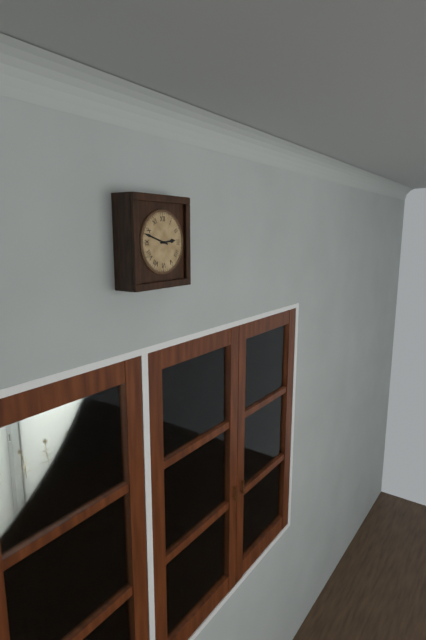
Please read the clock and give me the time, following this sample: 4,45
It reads 2,48
